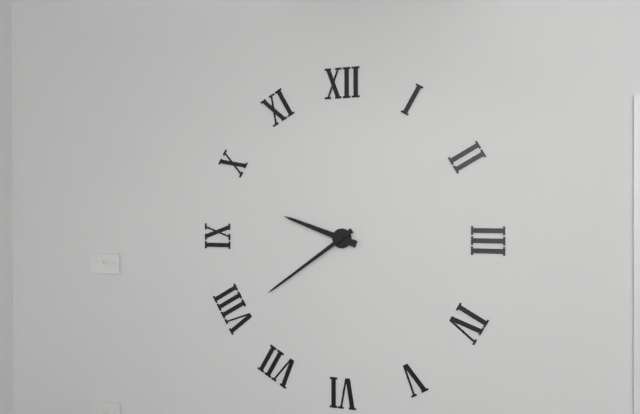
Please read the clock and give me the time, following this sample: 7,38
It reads 9,39
